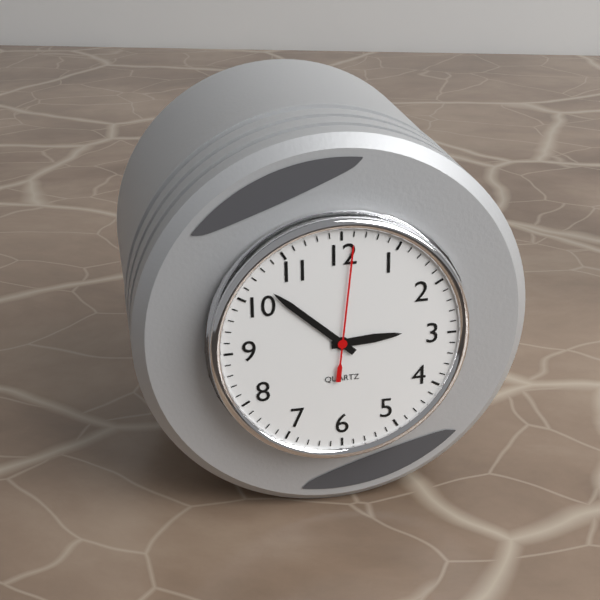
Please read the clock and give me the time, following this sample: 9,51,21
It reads 2,52,01
